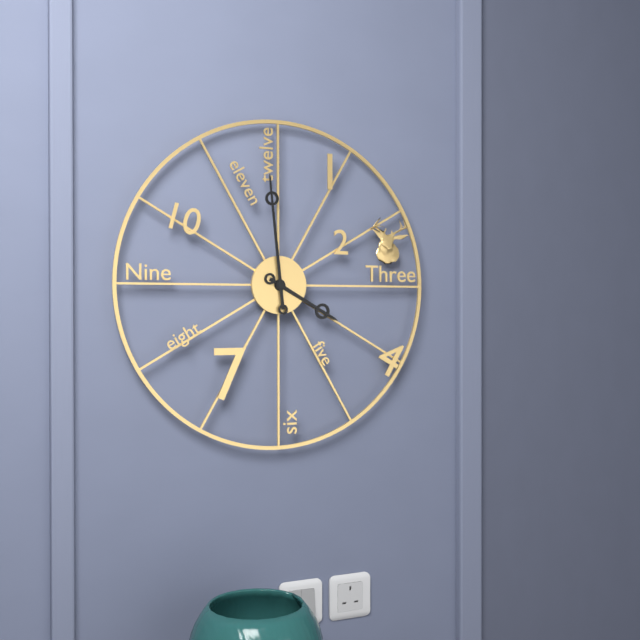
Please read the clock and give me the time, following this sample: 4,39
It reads 3,59
